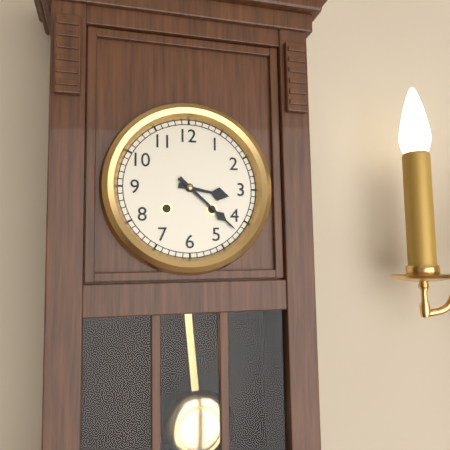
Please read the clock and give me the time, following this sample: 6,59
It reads 3,22
